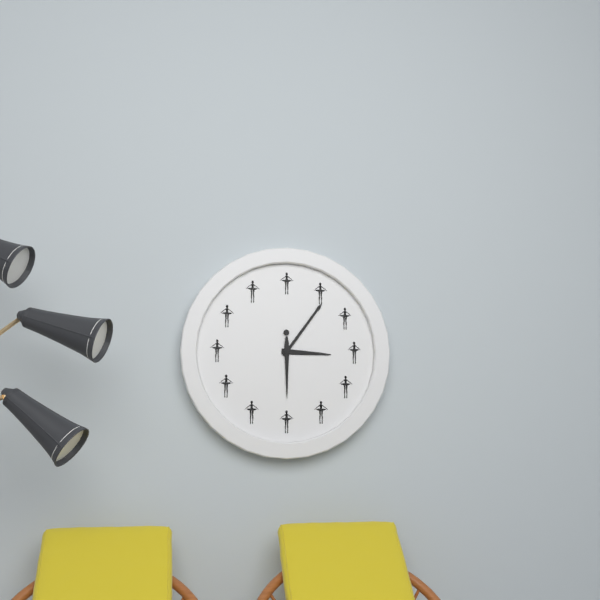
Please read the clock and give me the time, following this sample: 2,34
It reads 3,06
